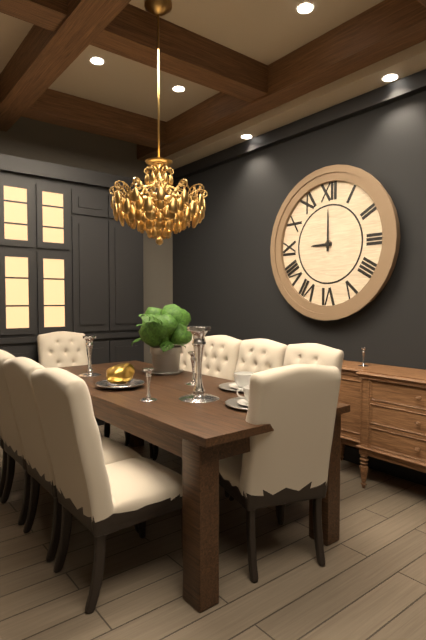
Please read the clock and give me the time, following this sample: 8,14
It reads 9,00
